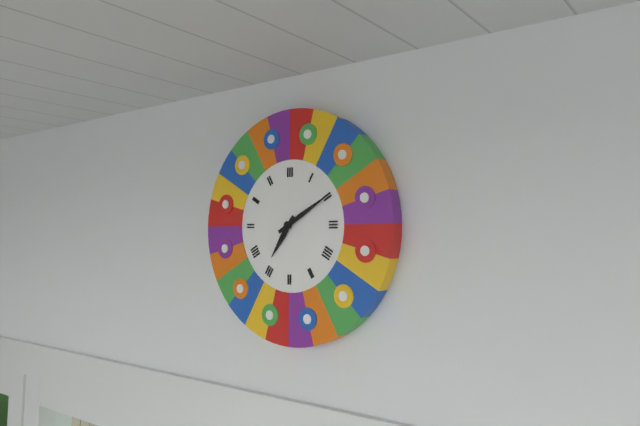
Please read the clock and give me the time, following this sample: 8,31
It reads 7,10
